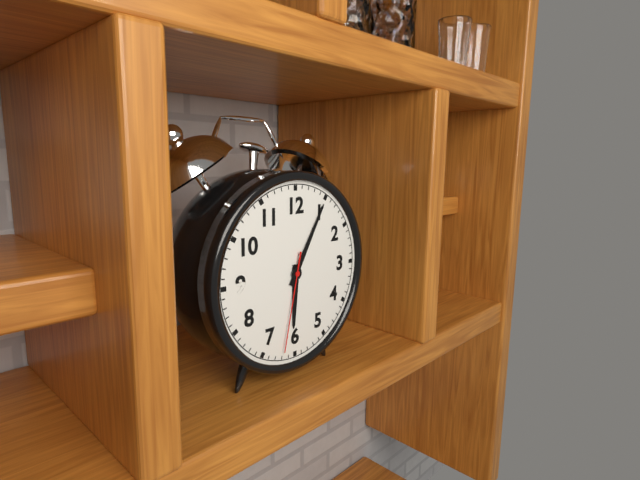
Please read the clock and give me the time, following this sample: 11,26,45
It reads 6,05,32
